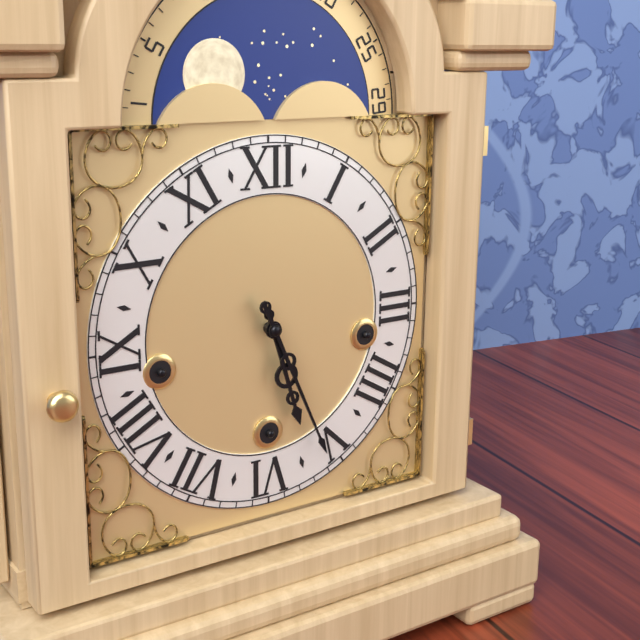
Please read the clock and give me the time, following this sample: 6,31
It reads 5,26
